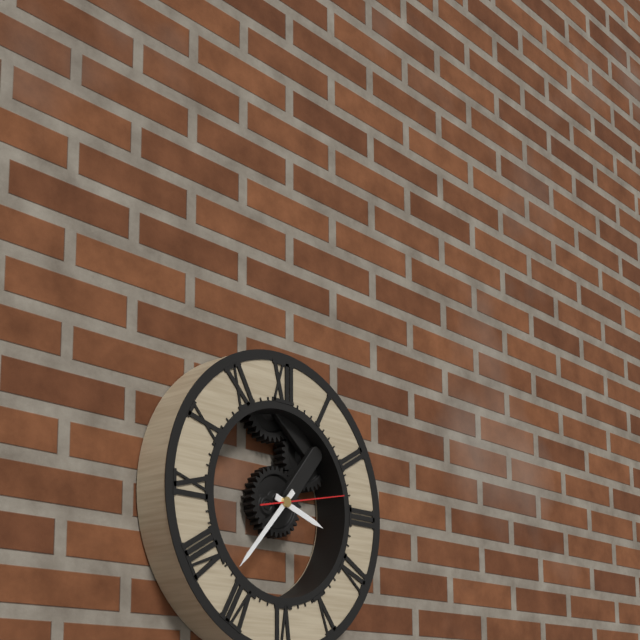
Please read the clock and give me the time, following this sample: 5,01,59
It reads 3,37,13
